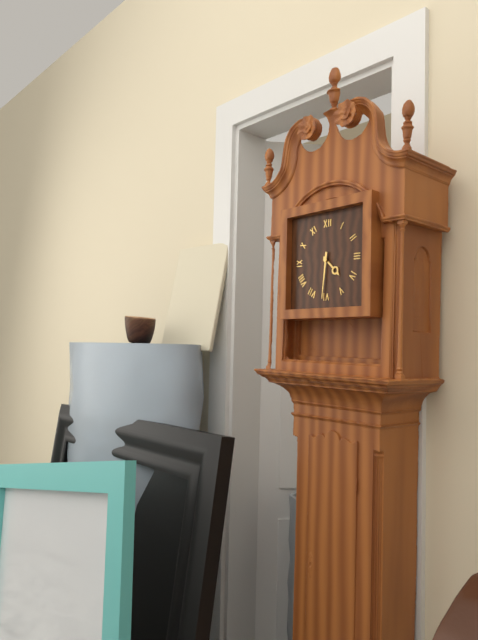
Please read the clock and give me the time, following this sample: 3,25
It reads 4,31
